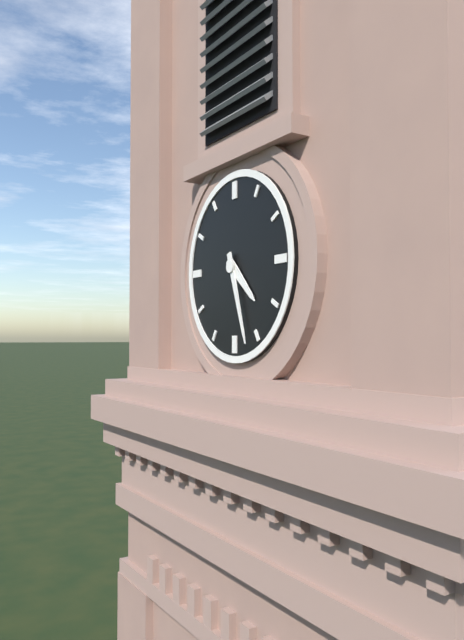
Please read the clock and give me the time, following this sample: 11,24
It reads 4,27
